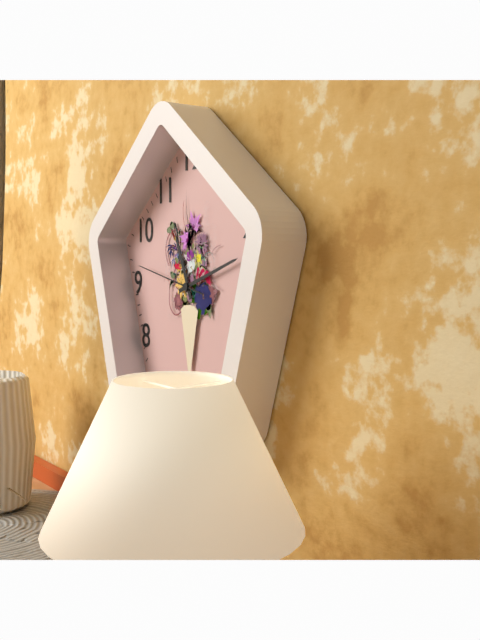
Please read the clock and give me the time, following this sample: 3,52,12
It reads 11,12,47
